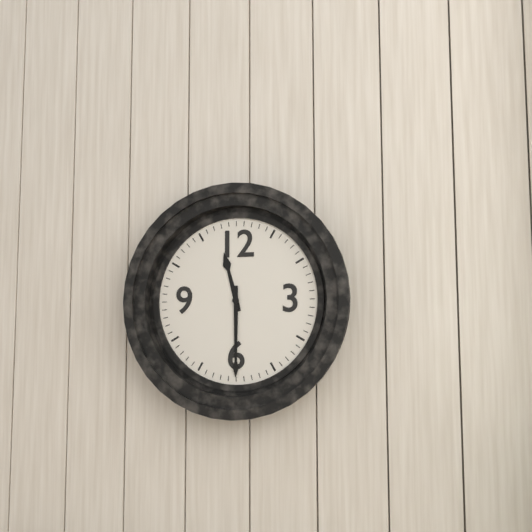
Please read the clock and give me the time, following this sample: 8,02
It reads 11,30
